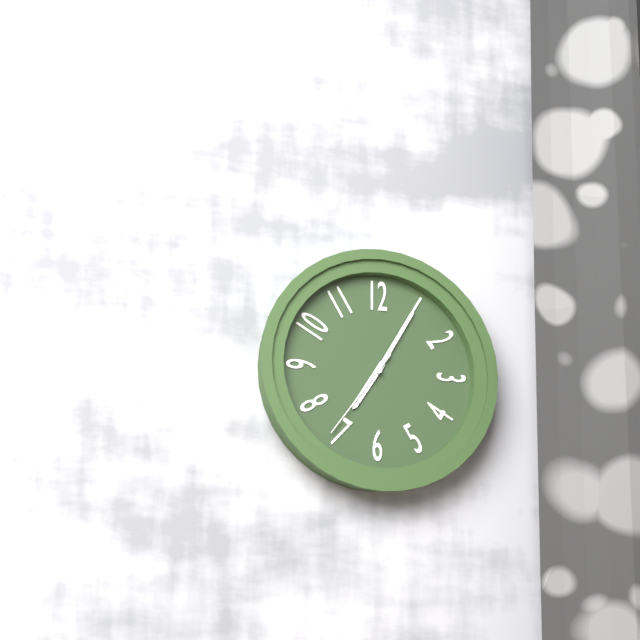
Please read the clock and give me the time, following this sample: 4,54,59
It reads 7,05,36
